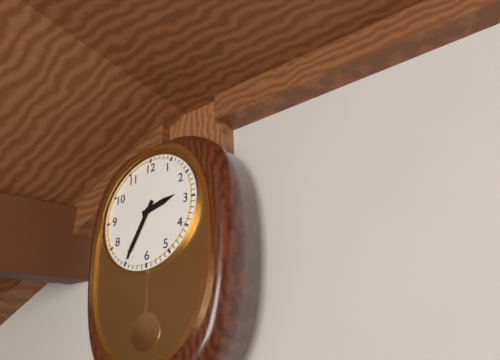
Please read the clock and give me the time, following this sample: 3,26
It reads 2,35
